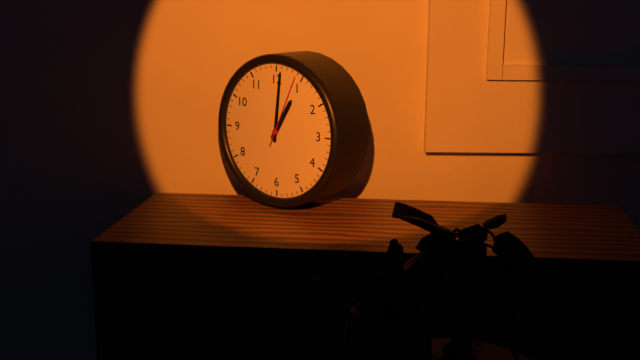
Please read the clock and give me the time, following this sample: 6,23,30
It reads 1,01,04
